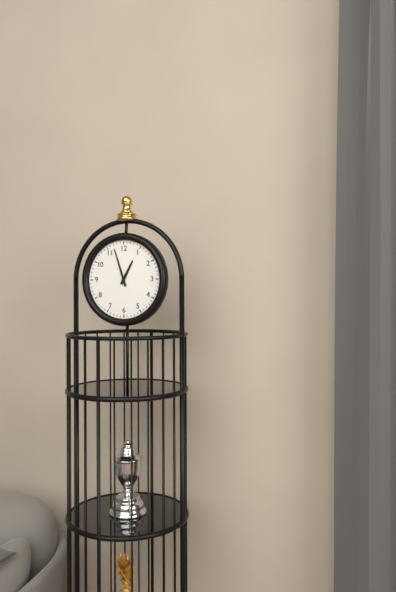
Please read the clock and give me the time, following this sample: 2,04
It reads 12,57
